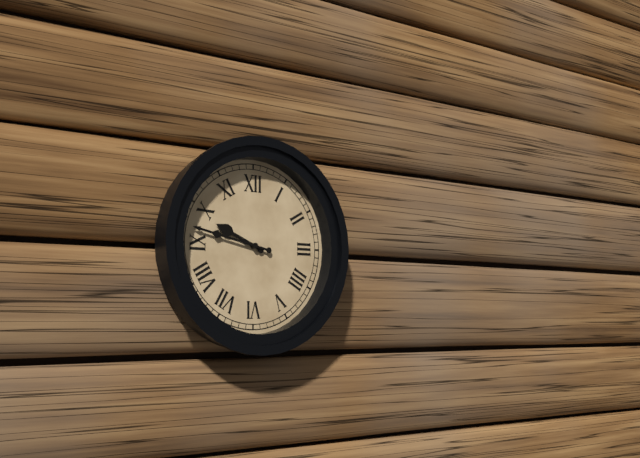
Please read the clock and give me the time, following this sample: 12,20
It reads 9,47
